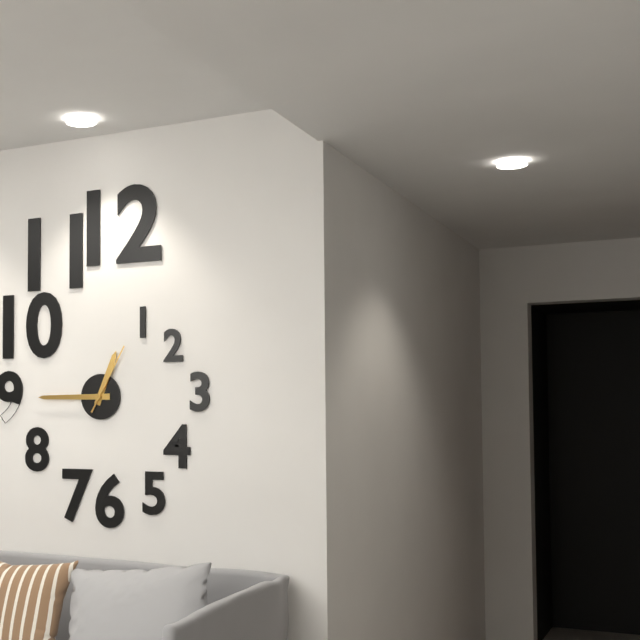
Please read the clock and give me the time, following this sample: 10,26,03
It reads 12,45,05
